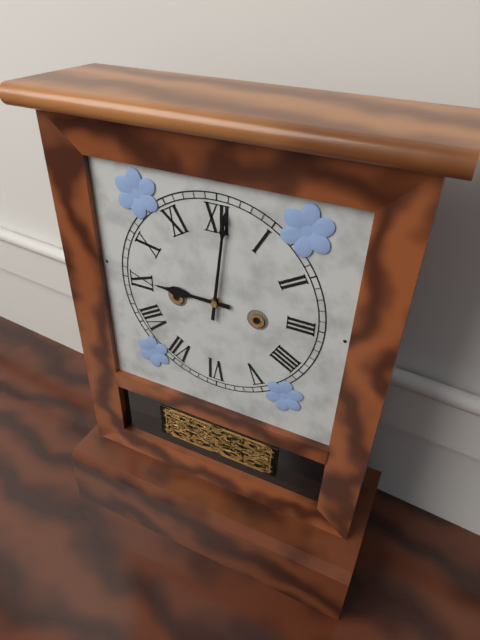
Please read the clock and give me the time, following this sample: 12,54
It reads 9,01
